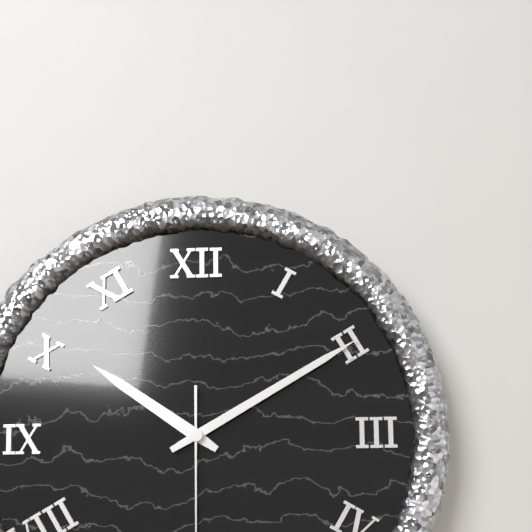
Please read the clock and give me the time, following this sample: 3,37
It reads 10,10
